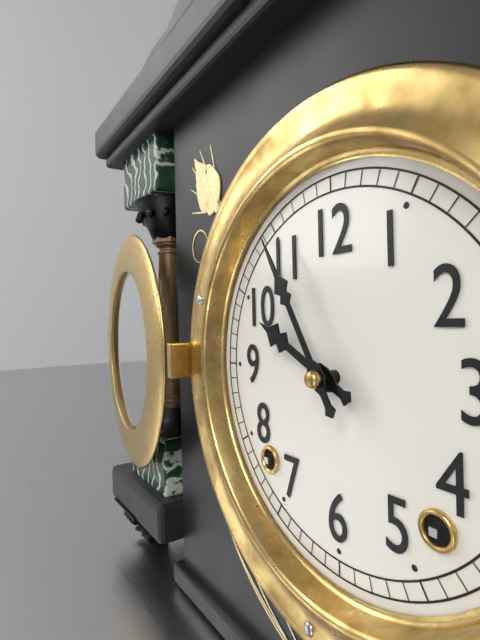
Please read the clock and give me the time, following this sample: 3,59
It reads 9,55
